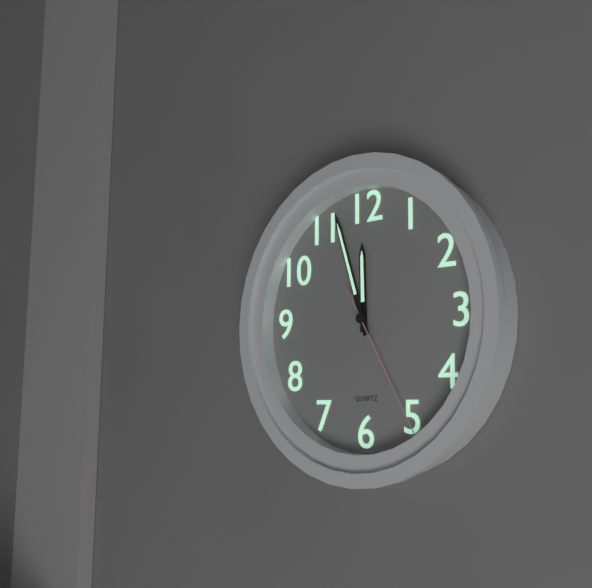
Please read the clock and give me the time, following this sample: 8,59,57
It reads 11,57,25
